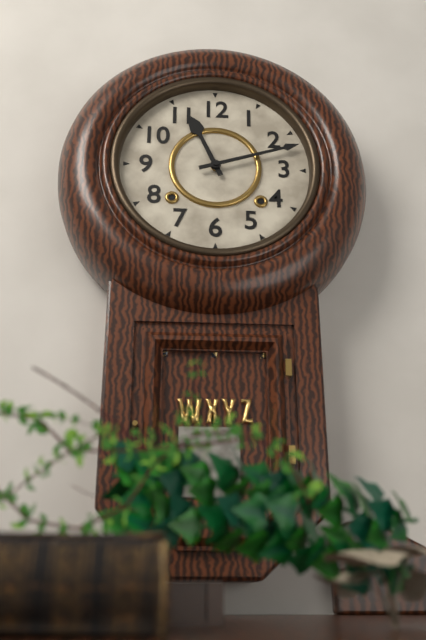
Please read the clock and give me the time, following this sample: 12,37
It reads 11,12
